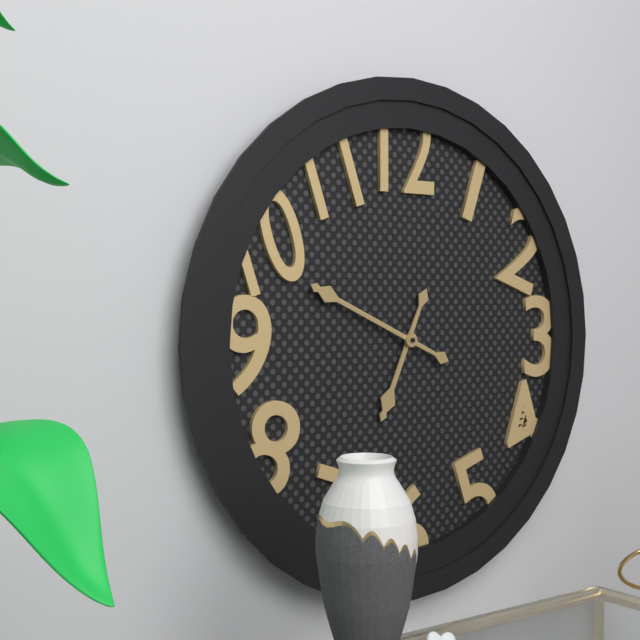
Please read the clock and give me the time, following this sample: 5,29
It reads 6,49
